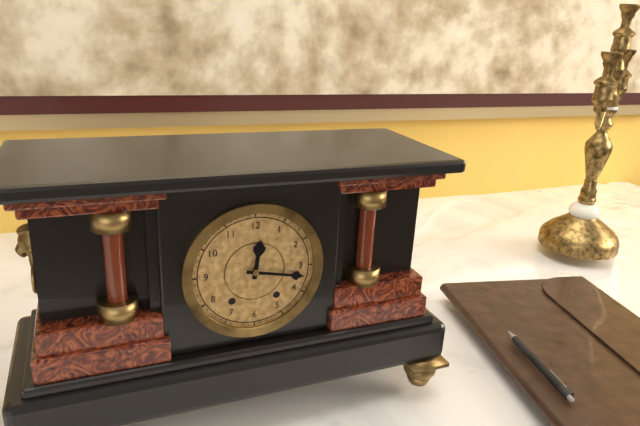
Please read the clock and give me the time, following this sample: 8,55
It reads 12,17
